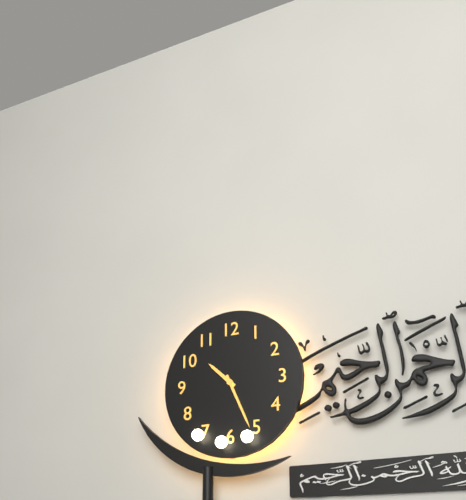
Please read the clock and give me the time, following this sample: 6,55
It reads 10,26
